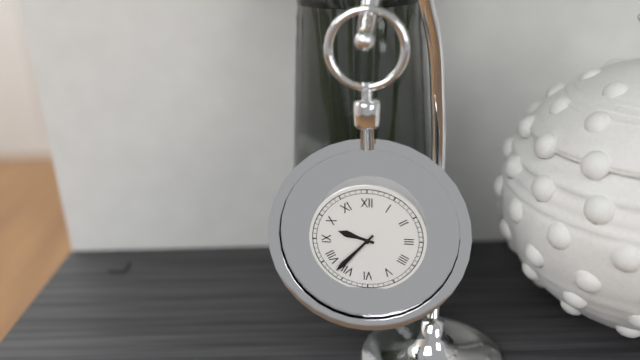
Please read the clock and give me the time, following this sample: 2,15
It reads 9,37
